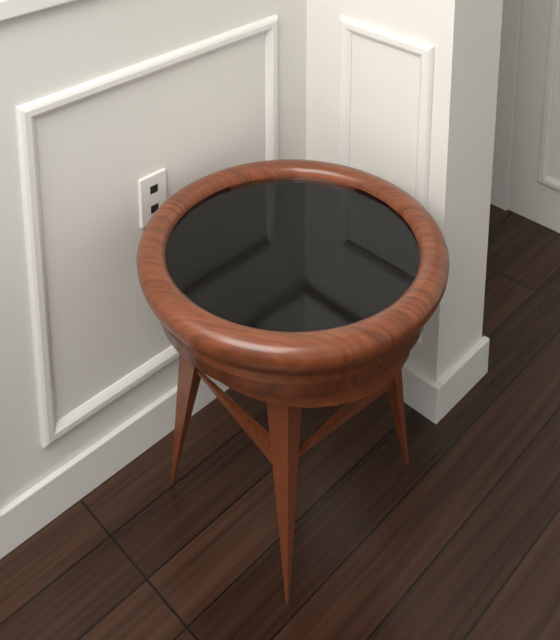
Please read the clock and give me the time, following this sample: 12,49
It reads 6,48
